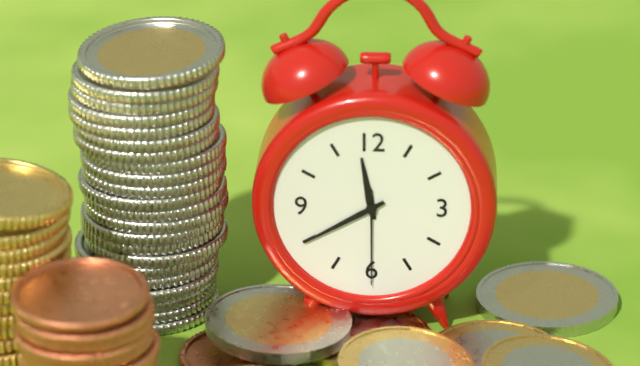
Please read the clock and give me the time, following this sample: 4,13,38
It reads 11,40,30
